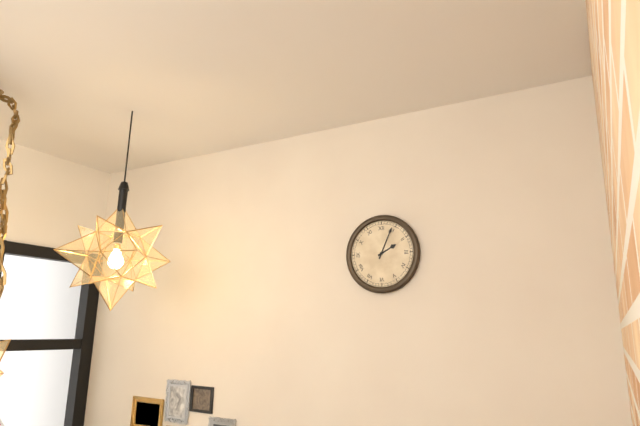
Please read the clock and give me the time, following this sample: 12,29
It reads 2,04
